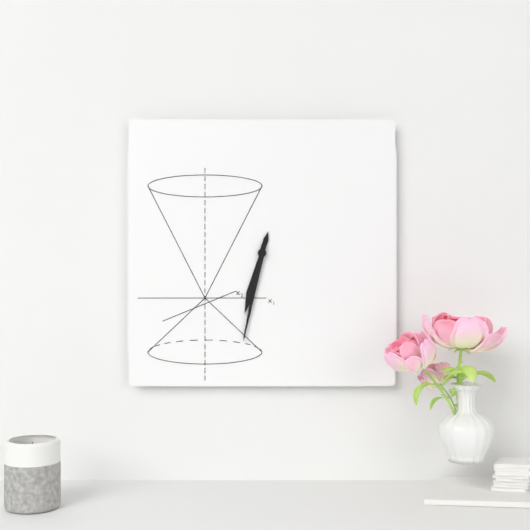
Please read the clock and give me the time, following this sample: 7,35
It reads 6,32
